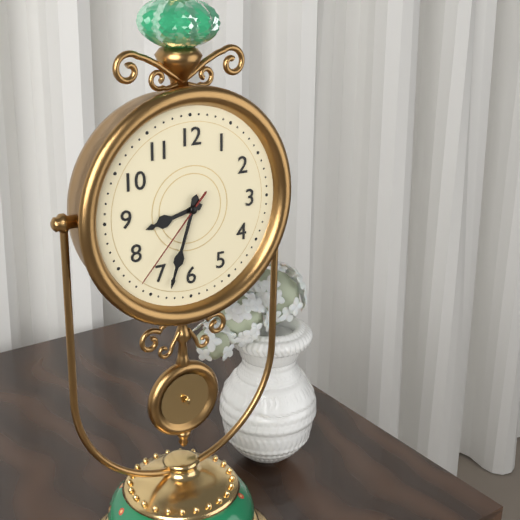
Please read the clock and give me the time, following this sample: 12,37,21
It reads 8,33,37
